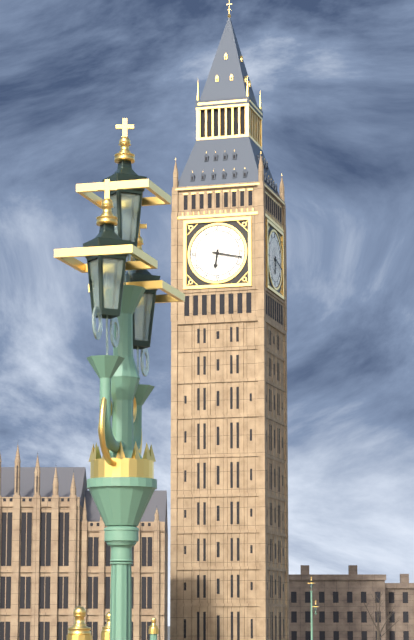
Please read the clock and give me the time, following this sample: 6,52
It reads 6,17
